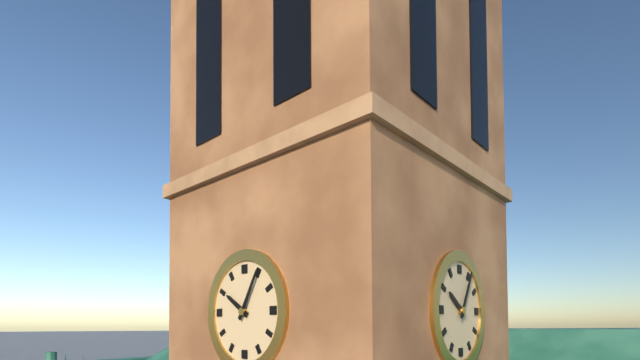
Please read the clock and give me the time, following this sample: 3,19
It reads 10,05
